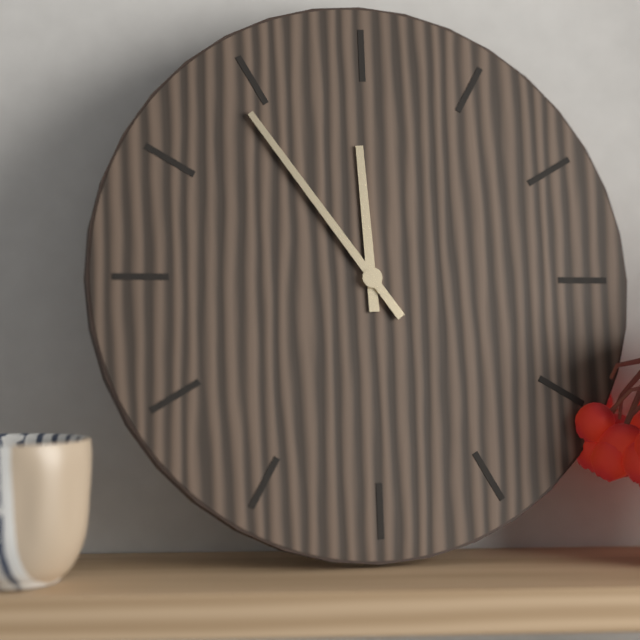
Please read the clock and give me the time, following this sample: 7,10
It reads 11,54
